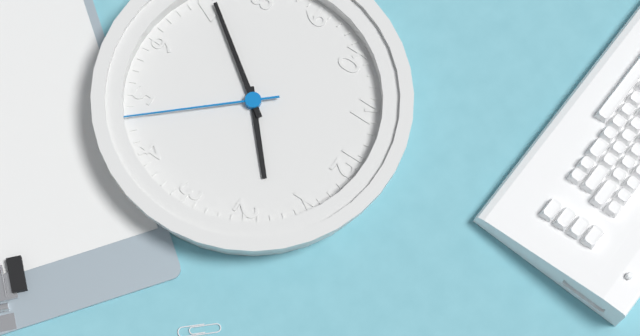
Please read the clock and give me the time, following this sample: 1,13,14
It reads 1,36,23
